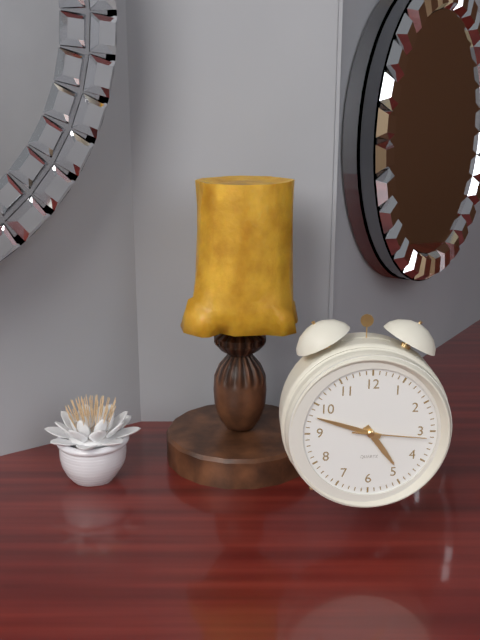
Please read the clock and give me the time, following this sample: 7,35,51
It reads 4,48,16
